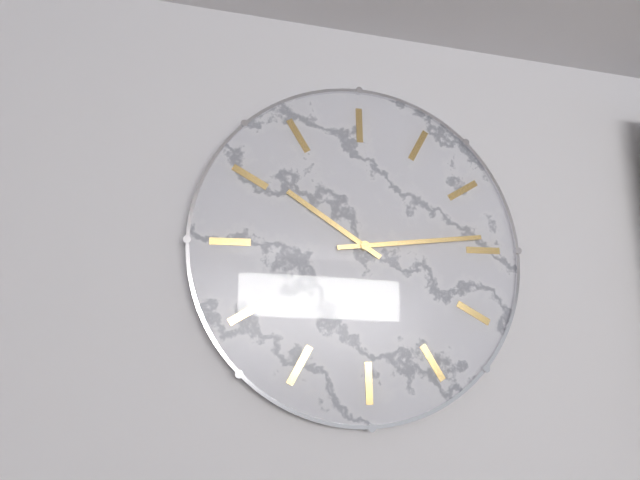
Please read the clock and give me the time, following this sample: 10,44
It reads 9,09
